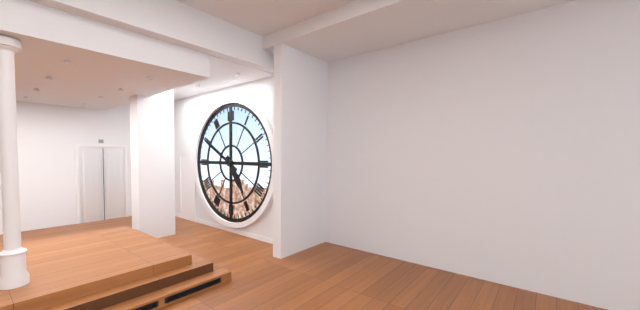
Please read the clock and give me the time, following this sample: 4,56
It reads 4,50
